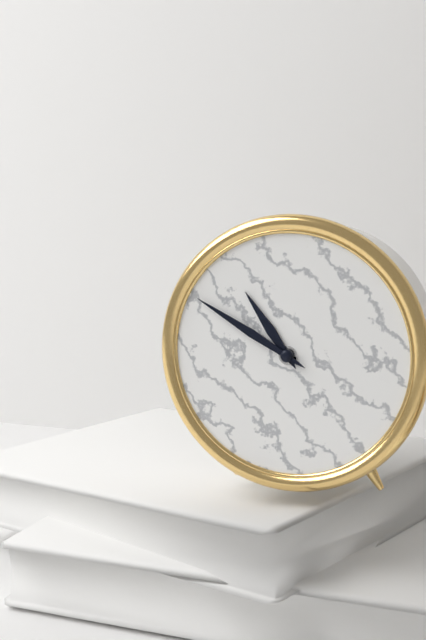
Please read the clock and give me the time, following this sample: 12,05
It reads 10,50
